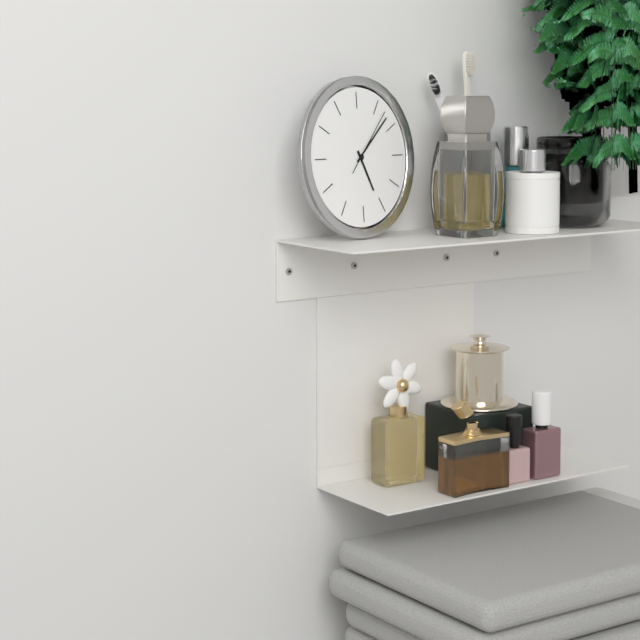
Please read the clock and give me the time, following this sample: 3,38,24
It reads 5,08,07
